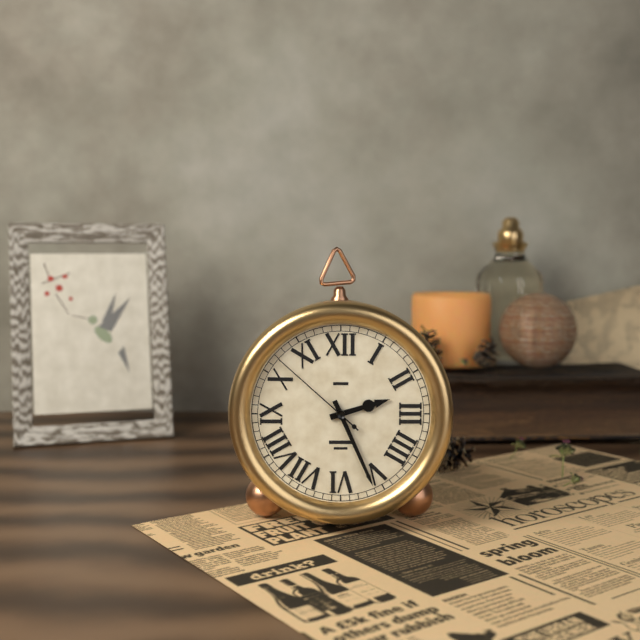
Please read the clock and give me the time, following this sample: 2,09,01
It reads 2,26,52
